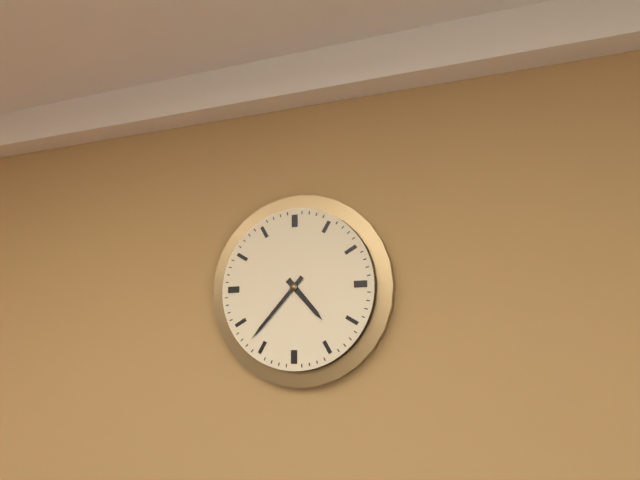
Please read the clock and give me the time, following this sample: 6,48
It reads 4,37
